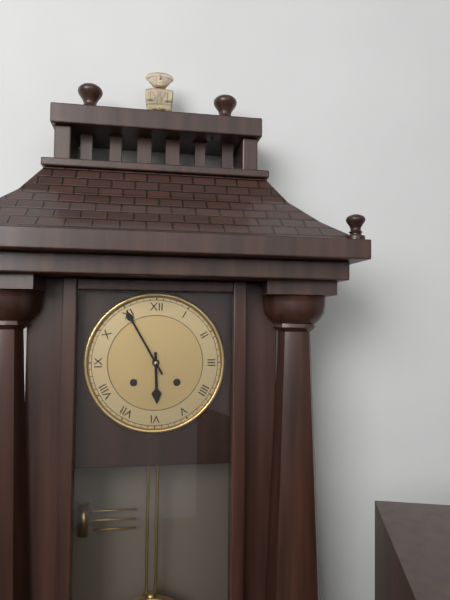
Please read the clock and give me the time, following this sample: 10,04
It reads 5,55
